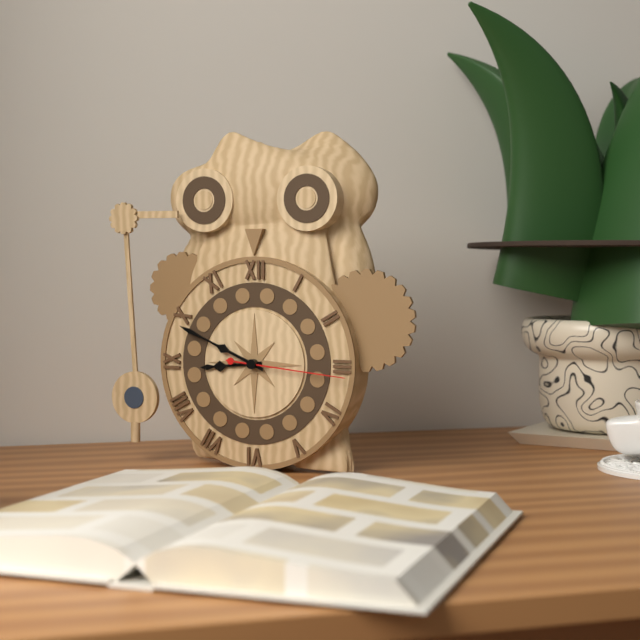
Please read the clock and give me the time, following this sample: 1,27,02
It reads 8,49,16
